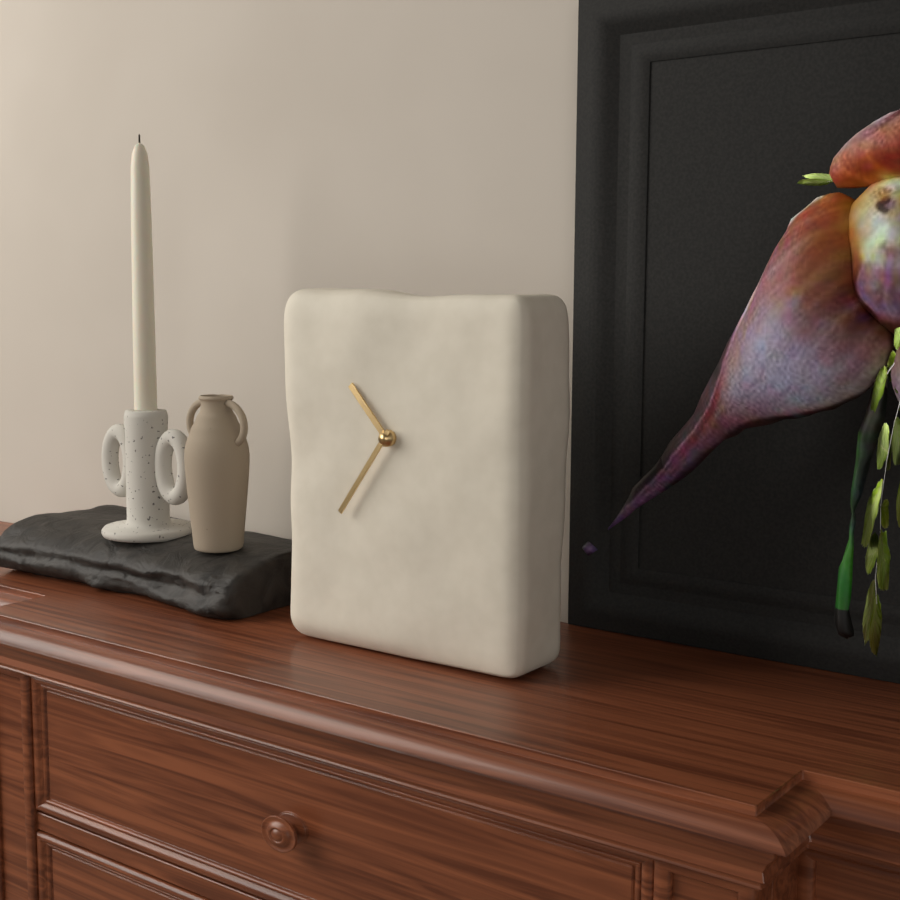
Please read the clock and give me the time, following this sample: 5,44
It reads 10,36
